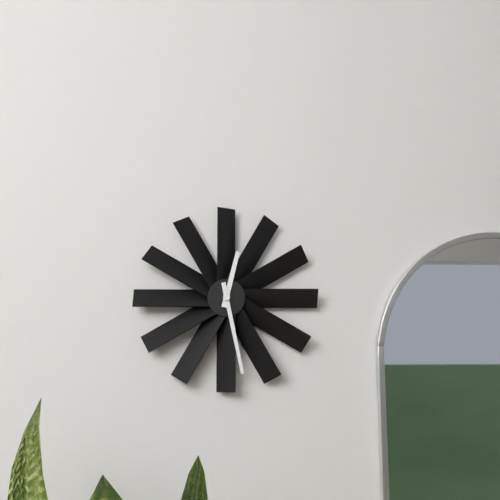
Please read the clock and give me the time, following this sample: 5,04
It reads 12,28
